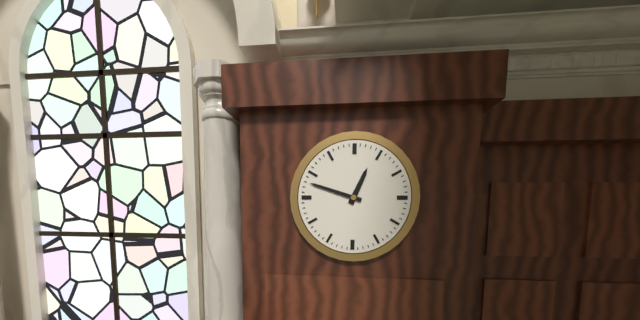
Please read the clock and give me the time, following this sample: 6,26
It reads 12,48
